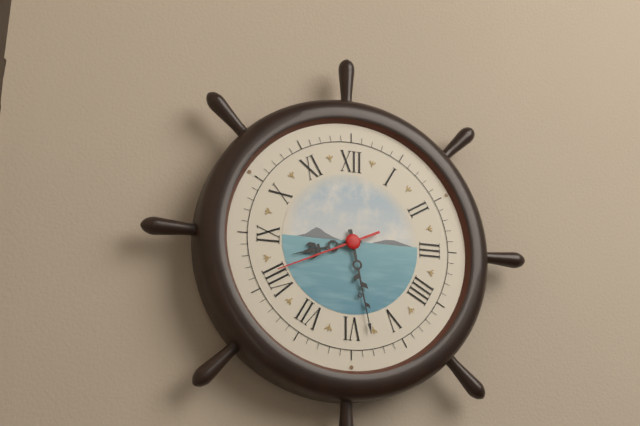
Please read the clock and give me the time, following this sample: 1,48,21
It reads 8,28,41
